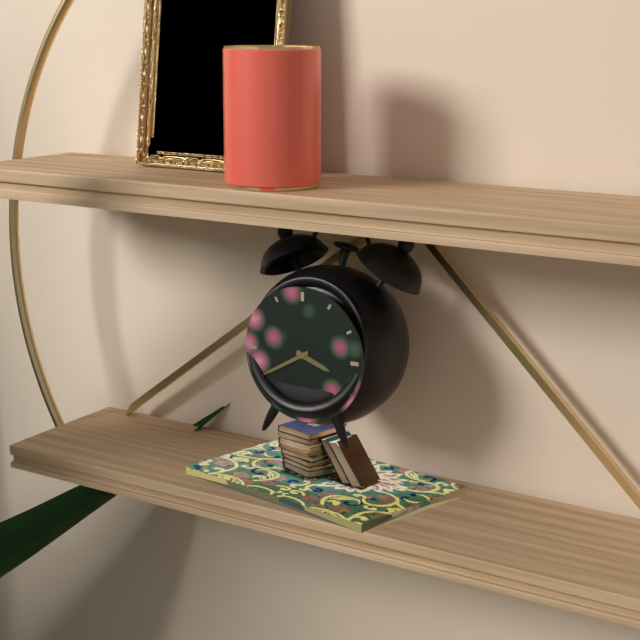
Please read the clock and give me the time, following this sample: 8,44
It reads 3,40
